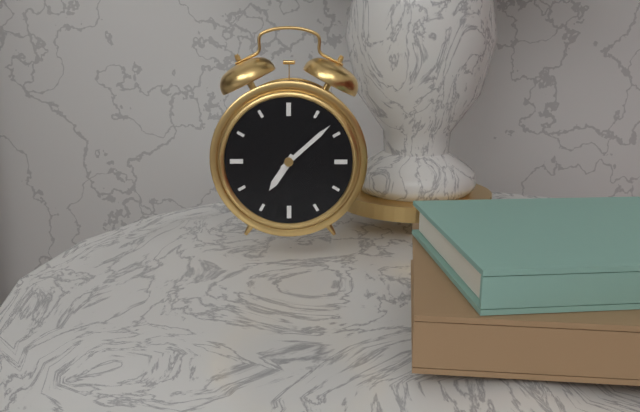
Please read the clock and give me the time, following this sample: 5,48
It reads 7,08
